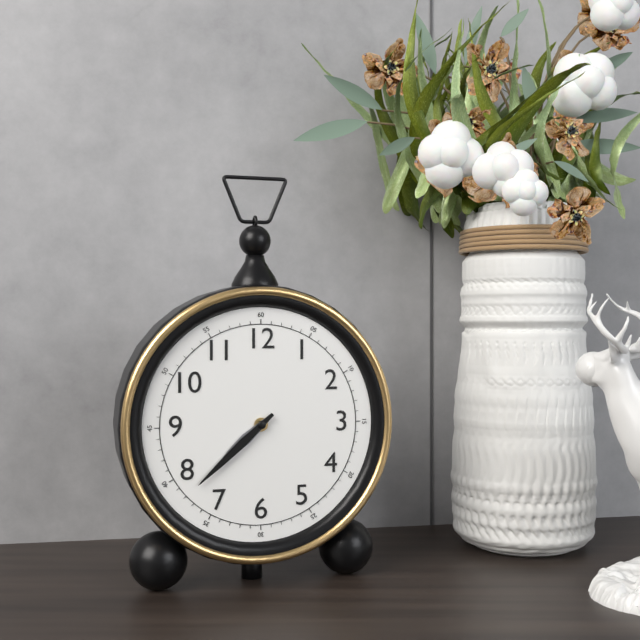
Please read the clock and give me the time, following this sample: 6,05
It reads 7,38
